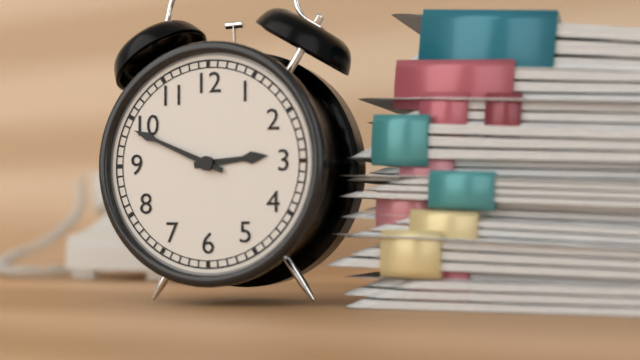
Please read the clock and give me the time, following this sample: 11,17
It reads 2,49
